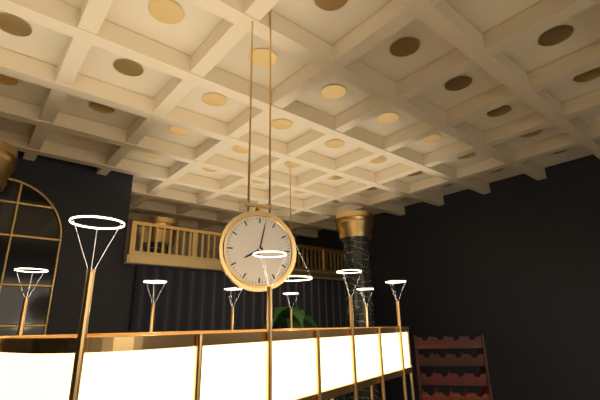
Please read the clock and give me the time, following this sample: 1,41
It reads 8,02
